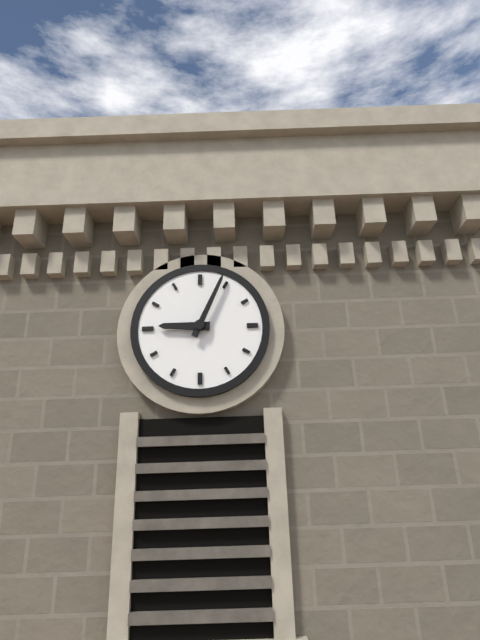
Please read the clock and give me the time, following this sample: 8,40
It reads 9,04
